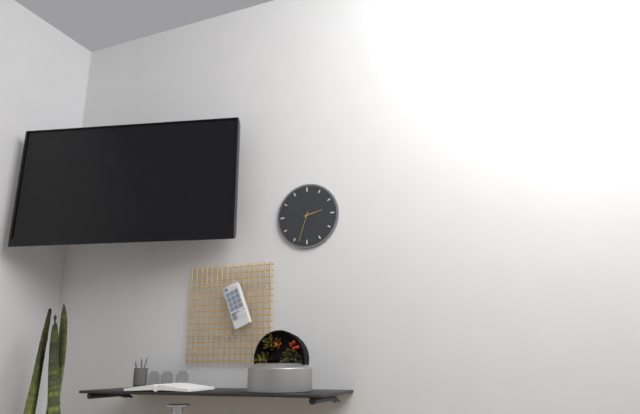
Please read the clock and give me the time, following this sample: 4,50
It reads 2,33
